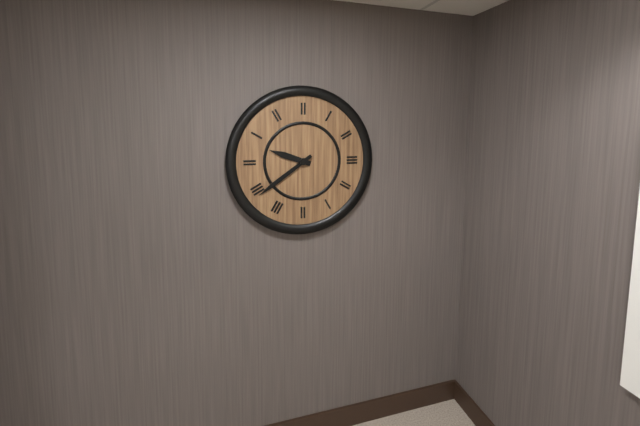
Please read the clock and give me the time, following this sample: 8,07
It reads 9,39
